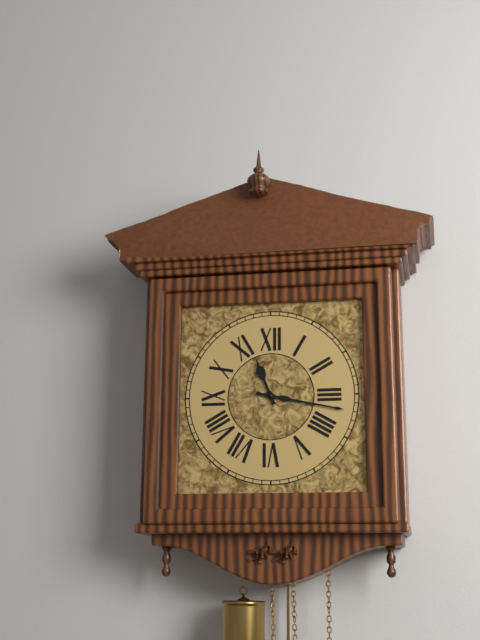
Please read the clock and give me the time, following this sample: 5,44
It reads 11,17
